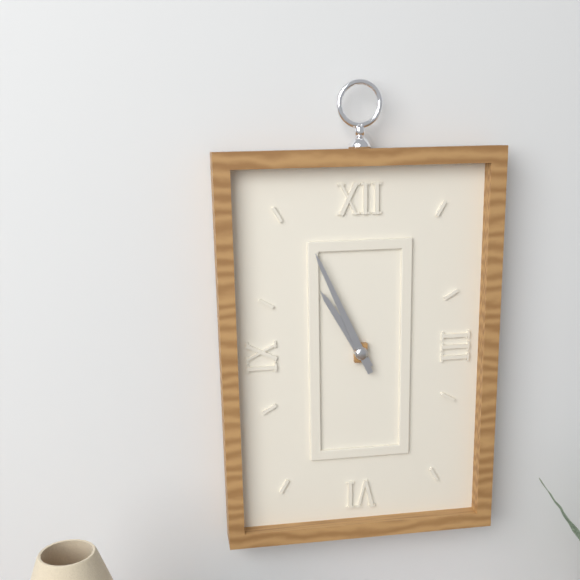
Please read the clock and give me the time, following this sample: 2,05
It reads 10,56
